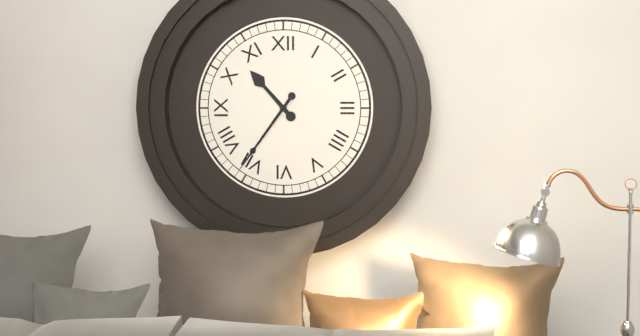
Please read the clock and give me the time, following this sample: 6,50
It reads 10,36
